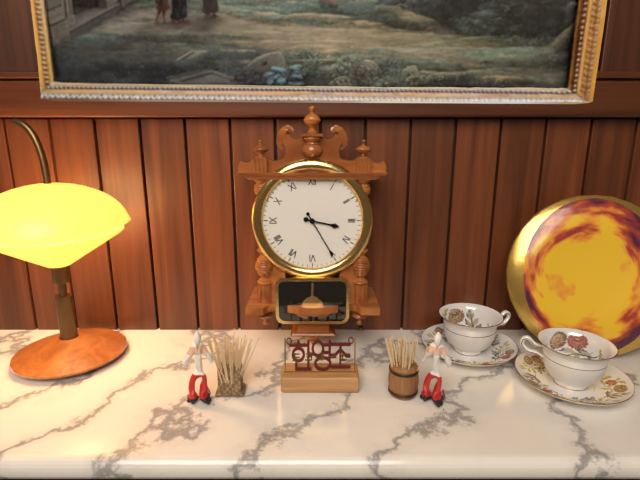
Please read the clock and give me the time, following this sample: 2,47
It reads 3,25
